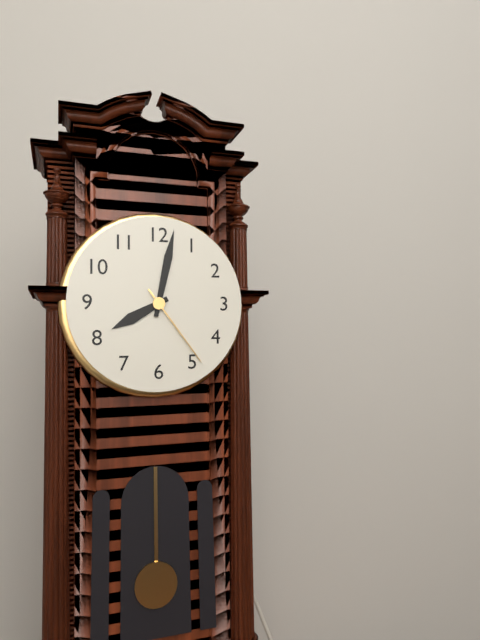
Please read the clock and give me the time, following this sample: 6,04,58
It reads 8,02,24
